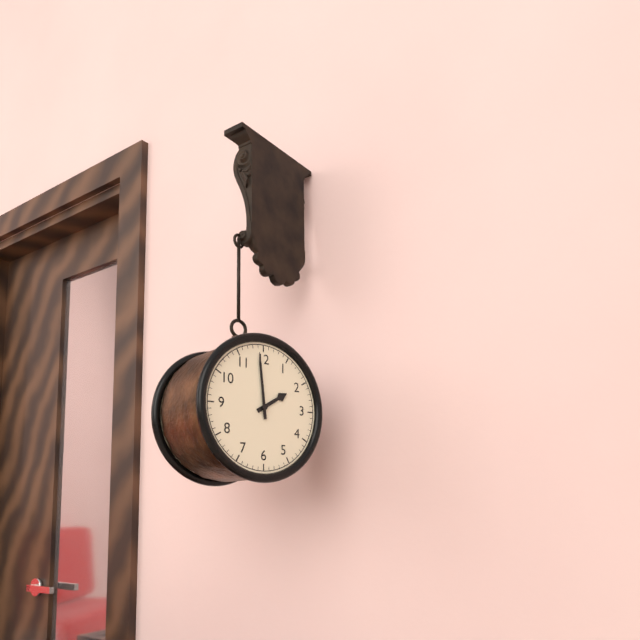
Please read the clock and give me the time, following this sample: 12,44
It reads 1,59
